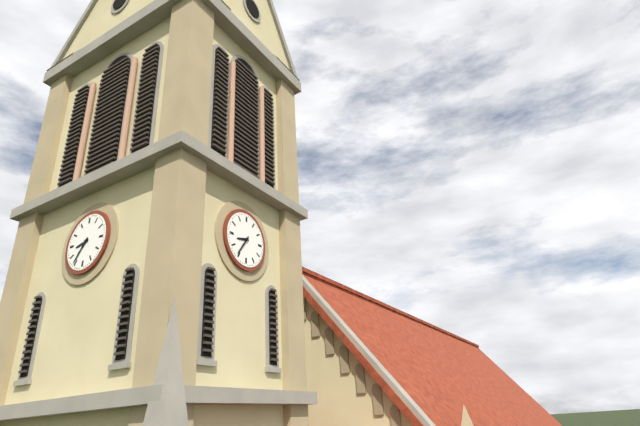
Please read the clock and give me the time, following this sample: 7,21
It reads 8,36
